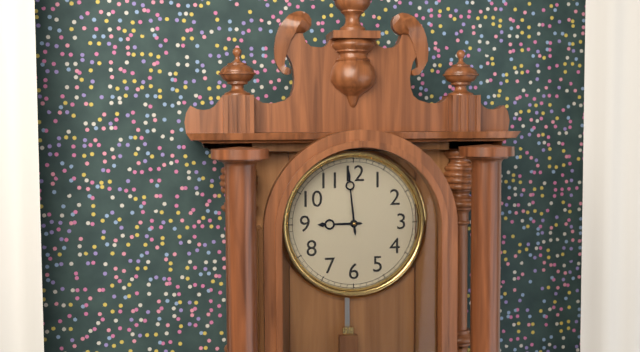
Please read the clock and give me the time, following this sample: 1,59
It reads 8,59
